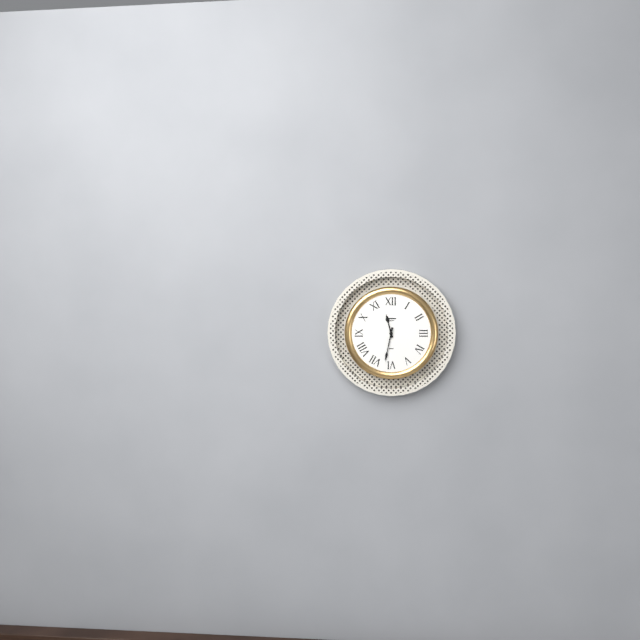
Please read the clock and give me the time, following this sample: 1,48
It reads 11,32
